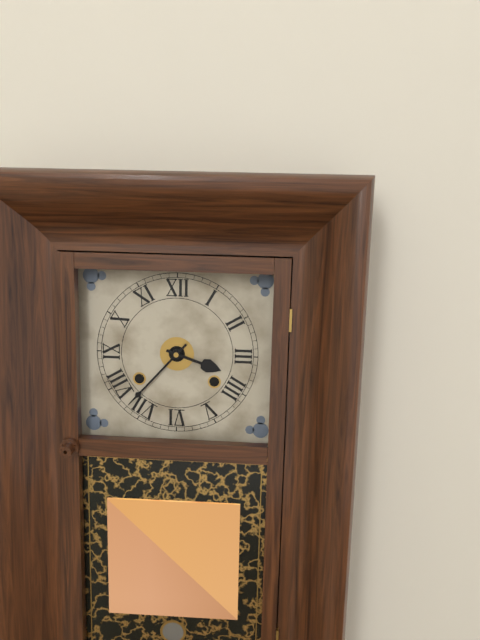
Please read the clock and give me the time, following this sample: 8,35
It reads 3,37
